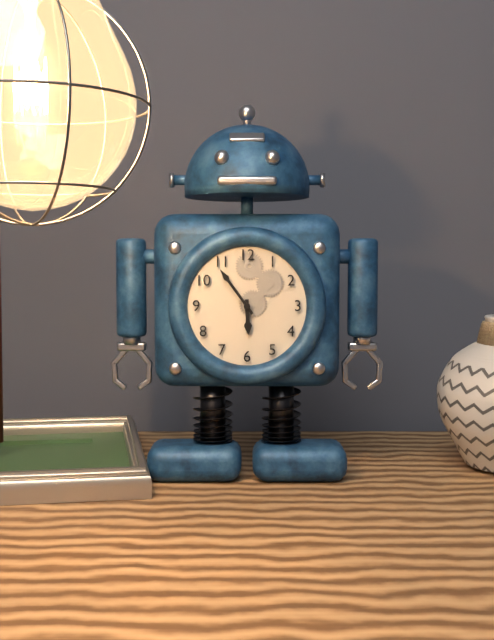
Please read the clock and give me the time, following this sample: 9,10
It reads 5,54
